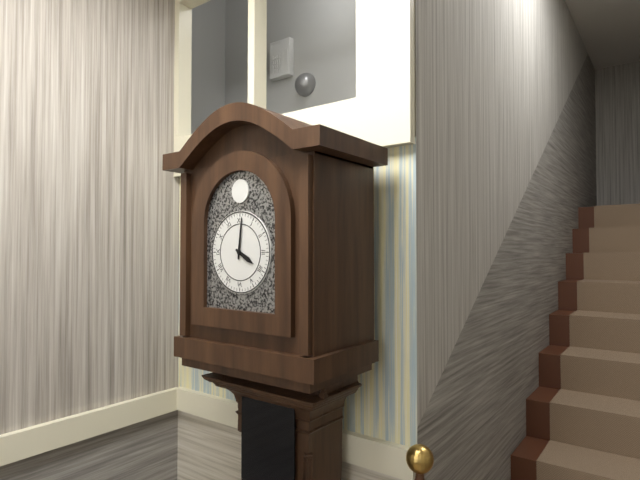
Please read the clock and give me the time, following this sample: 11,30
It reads 4,01
